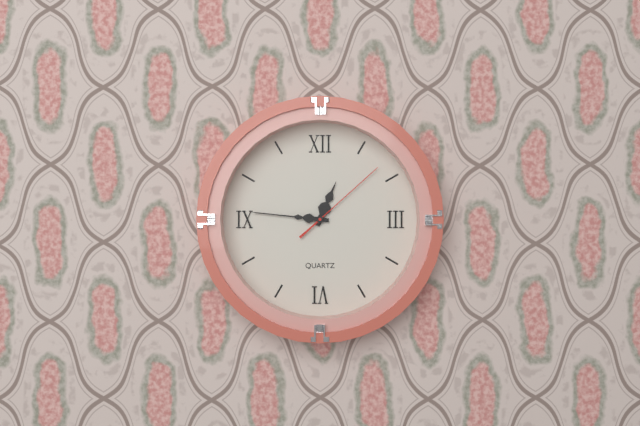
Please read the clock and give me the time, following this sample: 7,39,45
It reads 12,46,08
